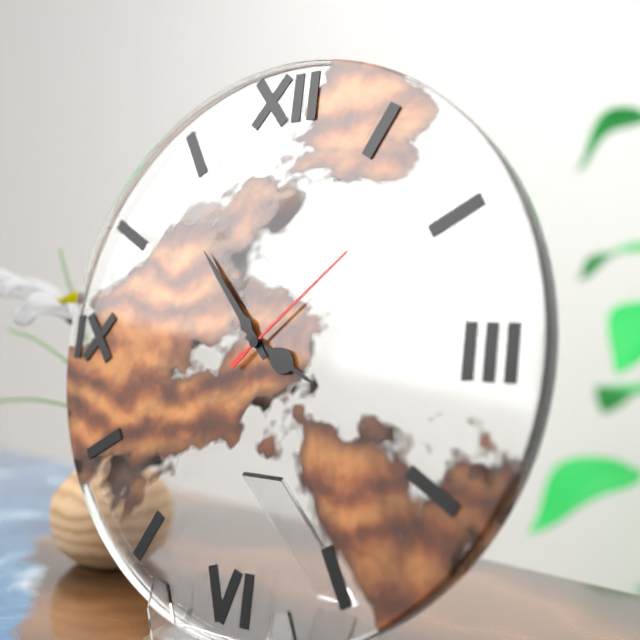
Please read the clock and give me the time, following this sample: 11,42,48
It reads 3,53,08
